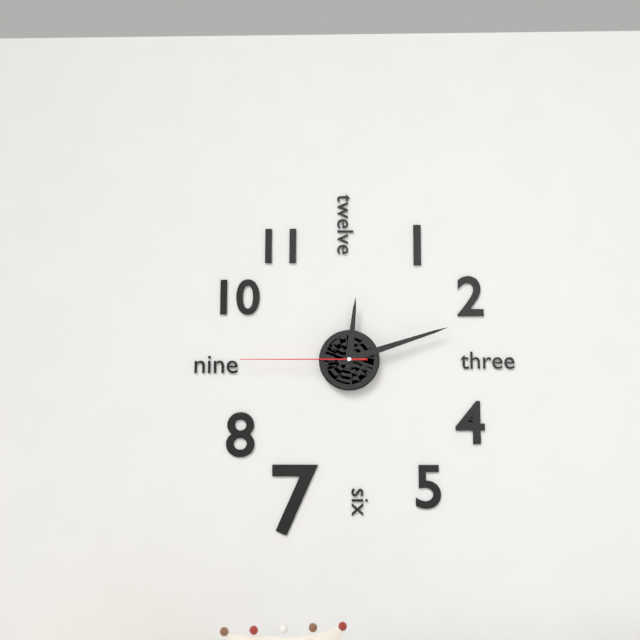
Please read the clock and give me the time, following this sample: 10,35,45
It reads 12,12,45
